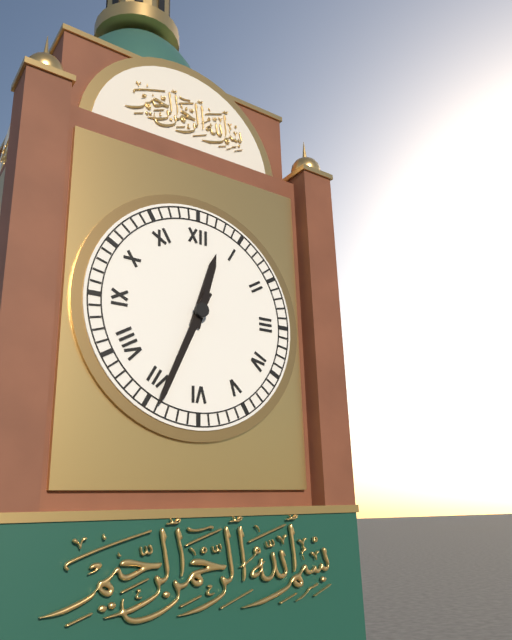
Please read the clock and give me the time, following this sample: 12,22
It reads 12,34
